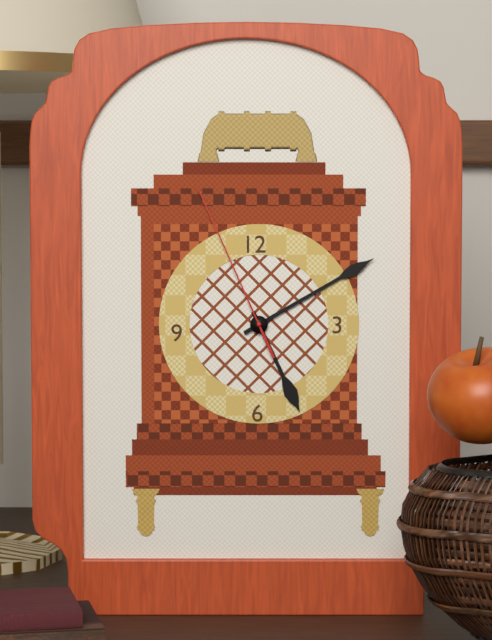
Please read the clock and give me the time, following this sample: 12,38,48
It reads 5,10,56
